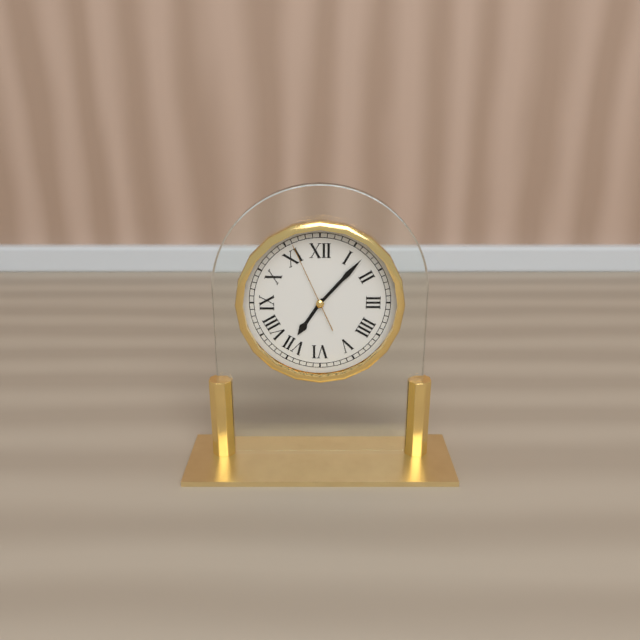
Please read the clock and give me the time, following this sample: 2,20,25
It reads 7,07,56
